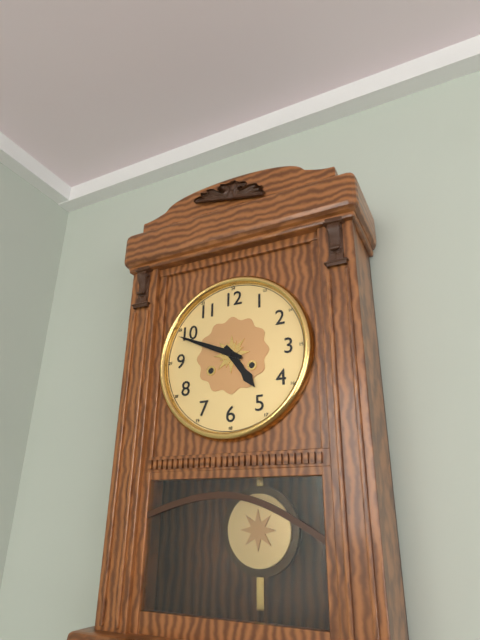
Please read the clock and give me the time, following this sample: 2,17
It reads 4,49
